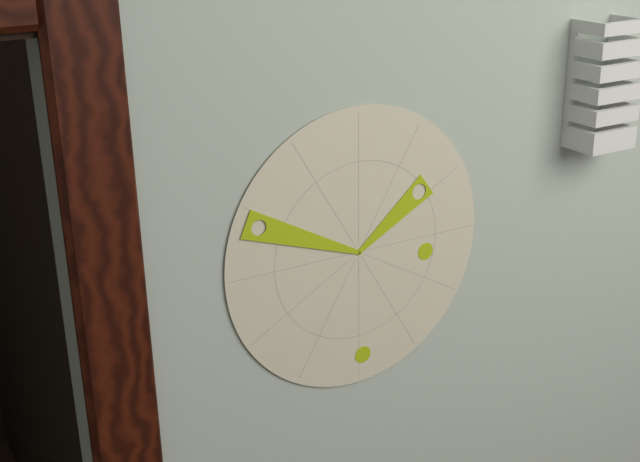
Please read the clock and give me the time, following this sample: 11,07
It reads 1,49
